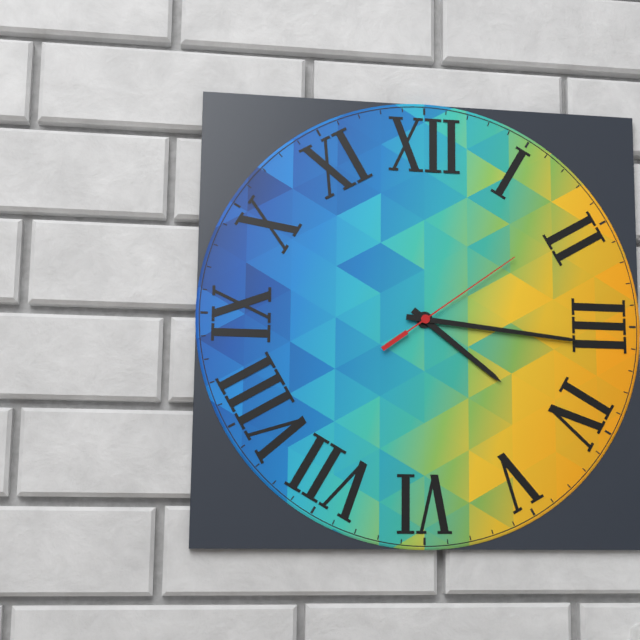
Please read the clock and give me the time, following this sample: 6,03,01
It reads 4,16,09
